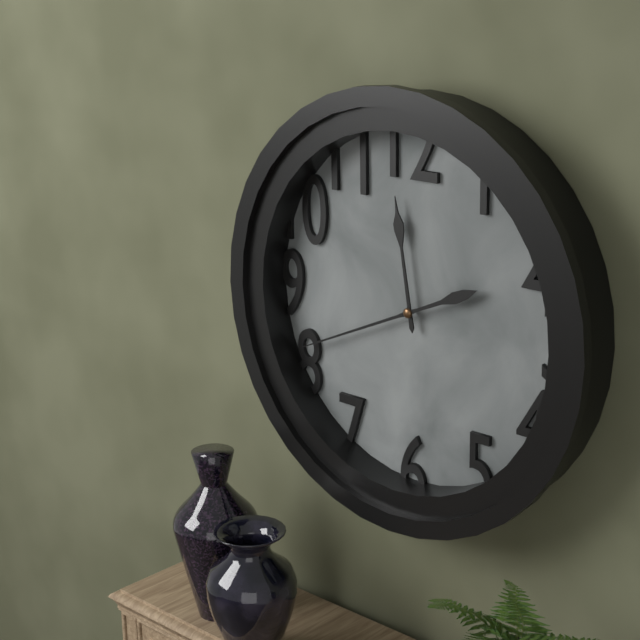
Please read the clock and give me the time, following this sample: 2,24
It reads 11,41
